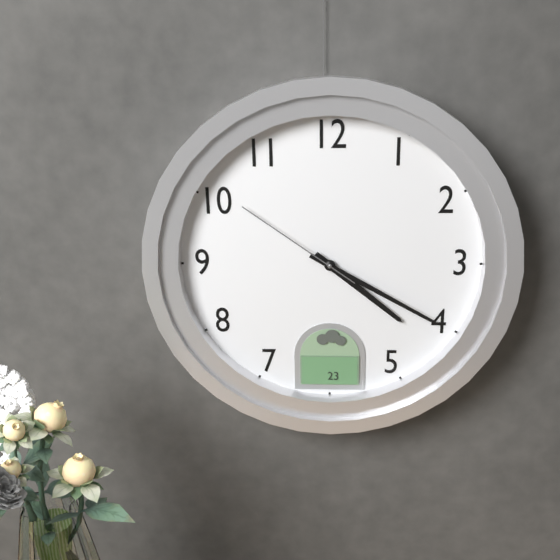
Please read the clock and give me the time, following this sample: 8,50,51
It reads 4,20,51
